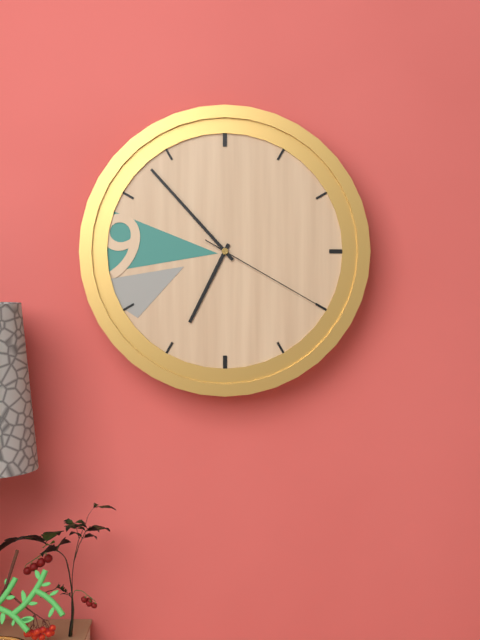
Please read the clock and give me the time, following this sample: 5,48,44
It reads 6,53,20
